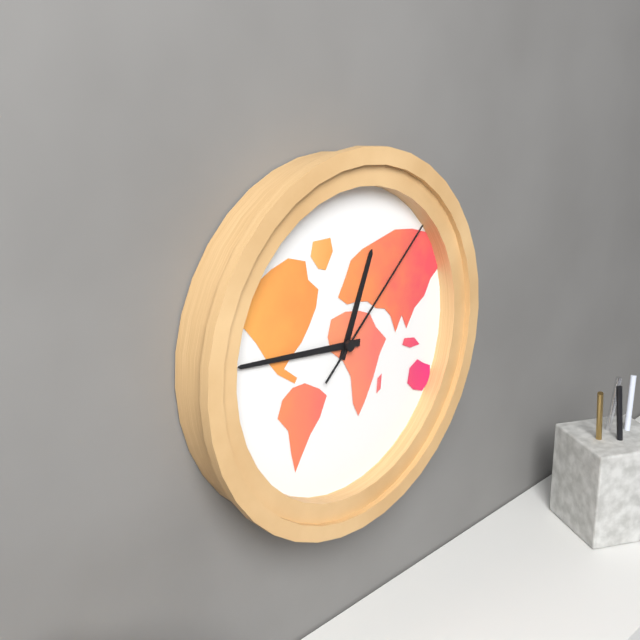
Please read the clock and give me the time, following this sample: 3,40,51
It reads 12,46,08
